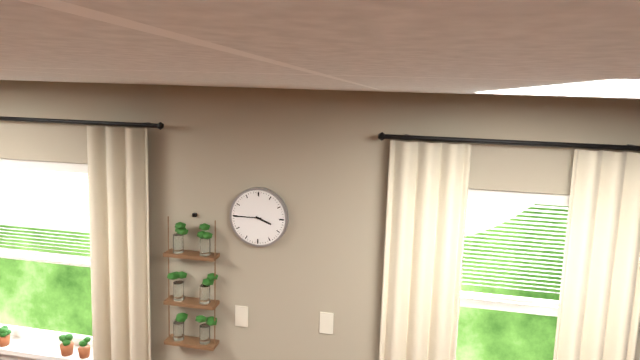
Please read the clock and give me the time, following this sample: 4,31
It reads 3,45
